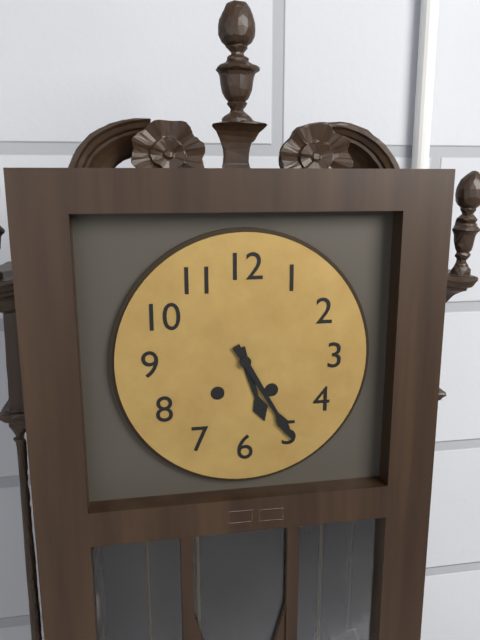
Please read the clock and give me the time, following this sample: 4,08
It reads 5,25
